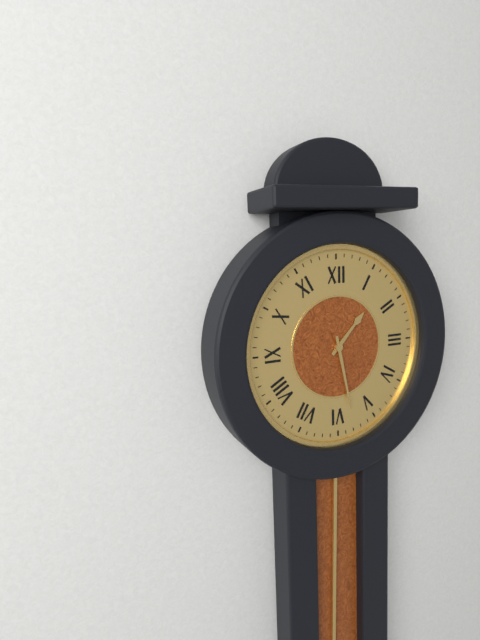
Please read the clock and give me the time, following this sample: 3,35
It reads 1,28
